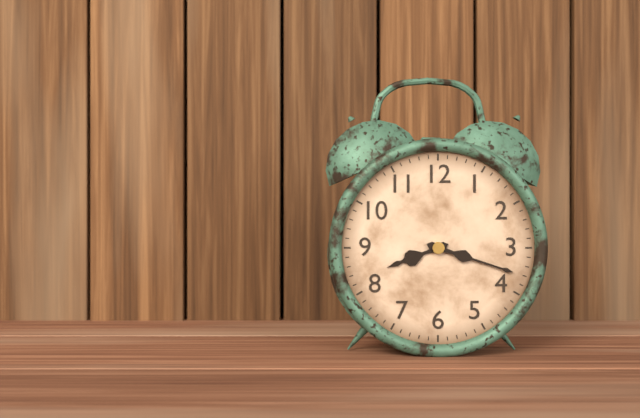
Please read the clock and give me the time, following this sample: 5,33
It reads 8,18
